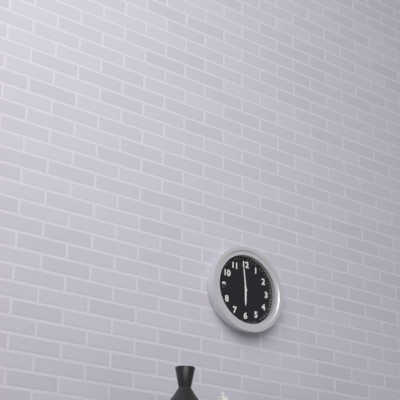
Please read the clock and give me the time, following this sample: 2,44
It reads 5,59
